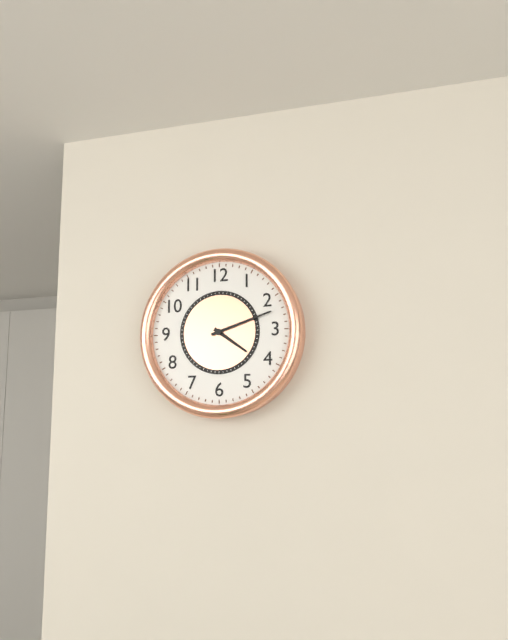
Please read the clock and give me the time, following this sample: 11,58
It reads 4,12
